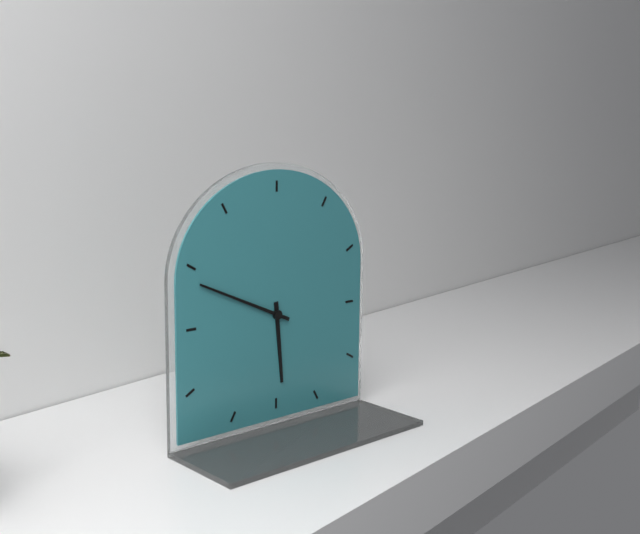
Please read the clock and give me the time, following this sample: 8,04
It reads 5,49
